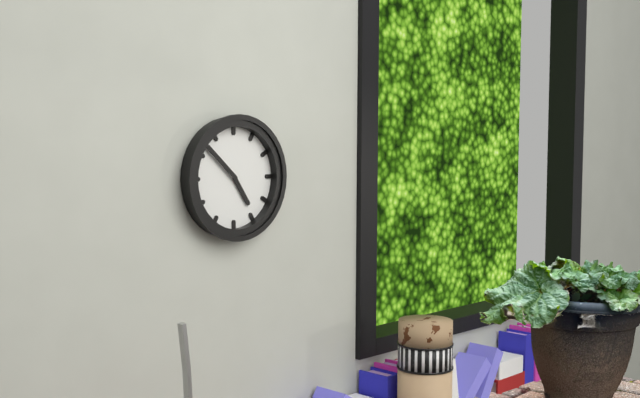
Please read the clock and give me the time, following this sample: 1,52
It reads 4,52
